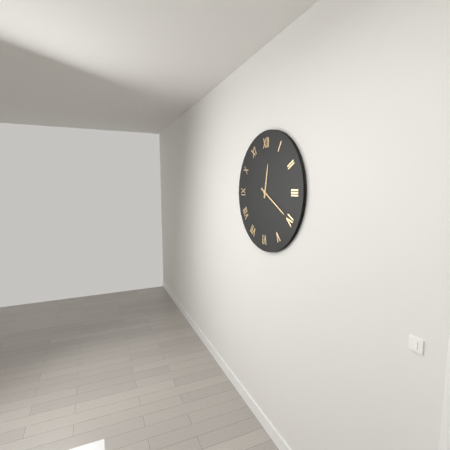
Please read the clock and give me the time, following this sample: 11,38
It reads 12,20
